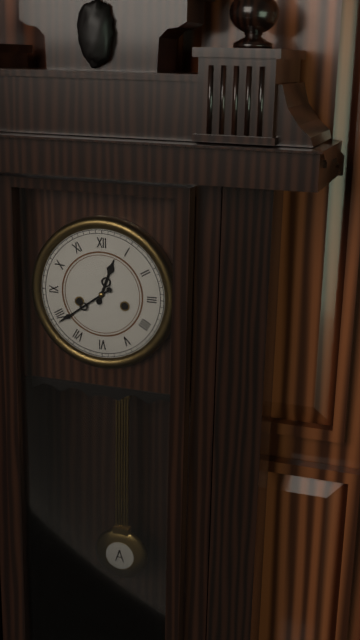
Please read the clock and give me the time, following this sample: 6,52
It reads 12,39
